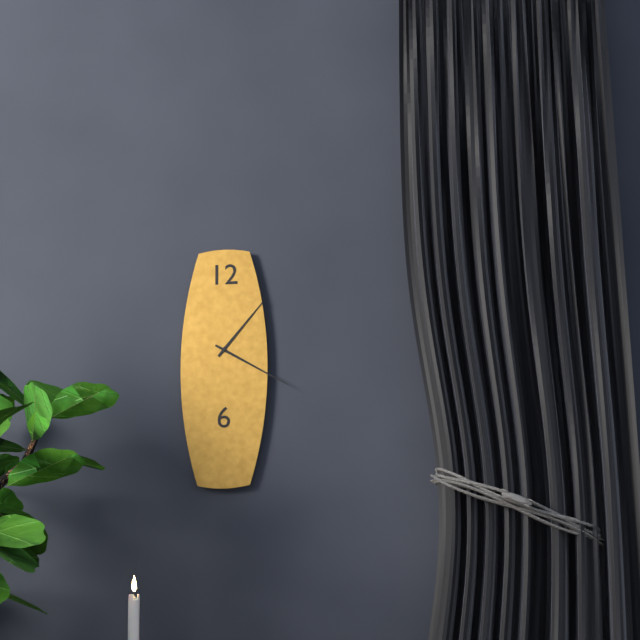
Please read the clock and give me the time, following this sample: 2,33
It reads 1,20
